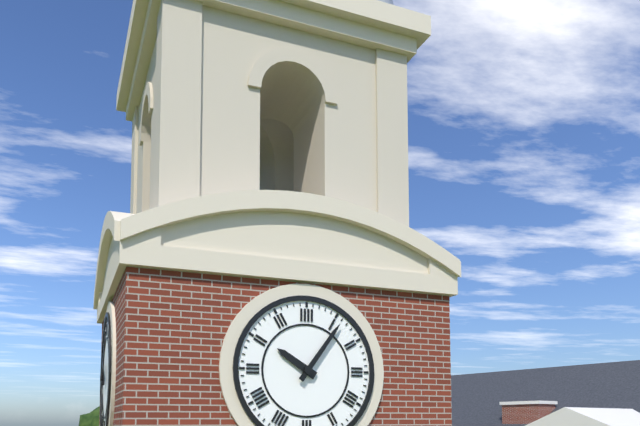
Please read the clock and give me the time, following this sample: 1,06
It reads 10,06
